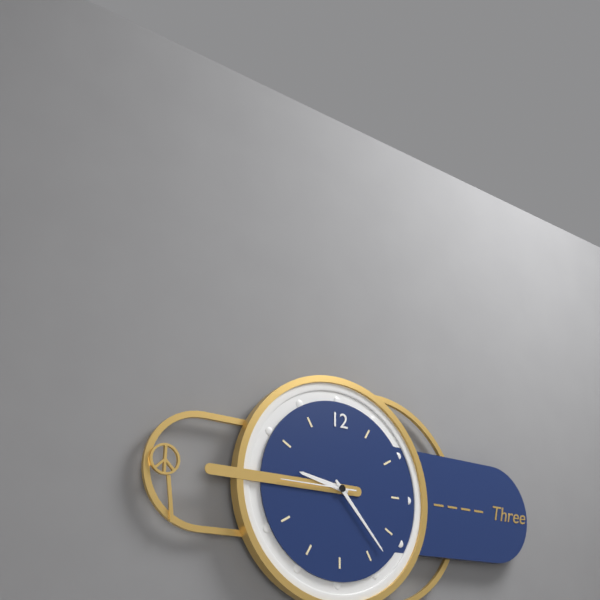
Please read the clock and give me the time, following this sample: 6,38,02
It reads 9,23,45
